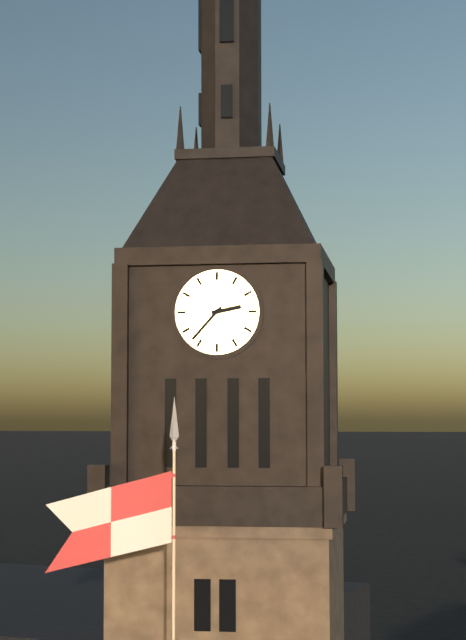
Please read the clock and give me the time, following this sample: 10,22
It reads 2,37
